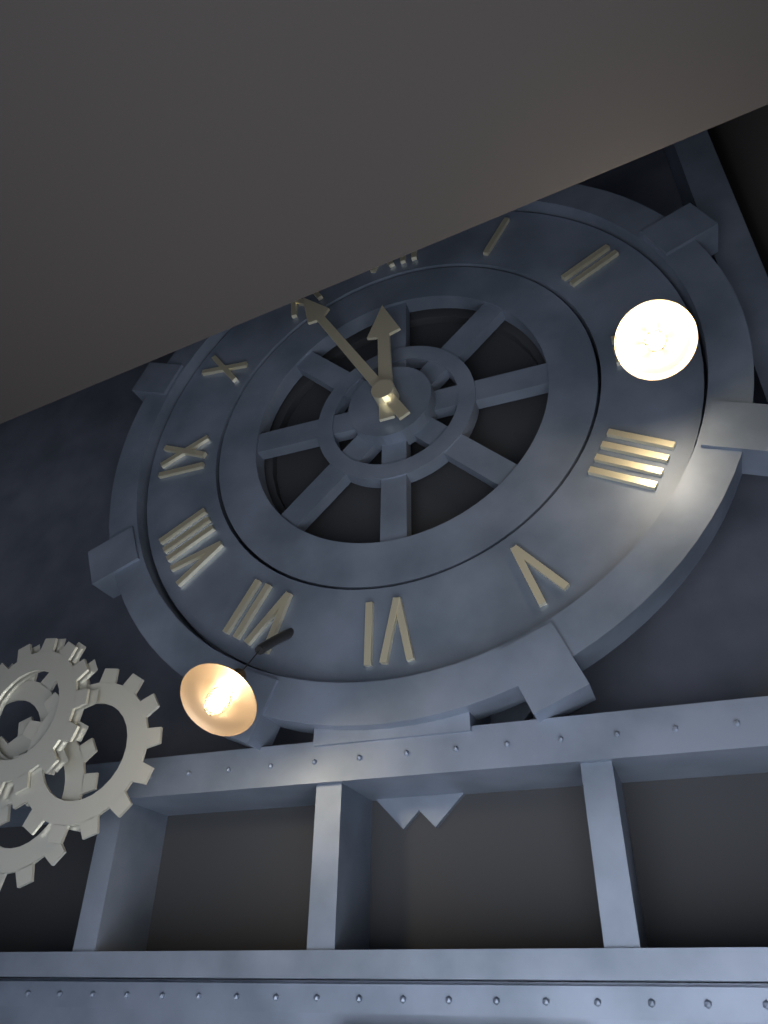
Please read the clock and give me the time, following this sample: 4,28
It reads 11,55
